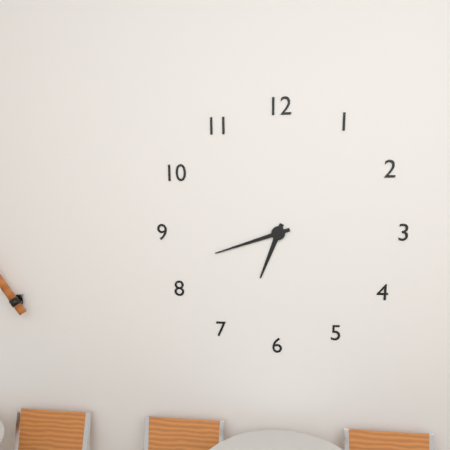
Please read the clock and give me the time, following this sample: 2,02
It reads 6,42
